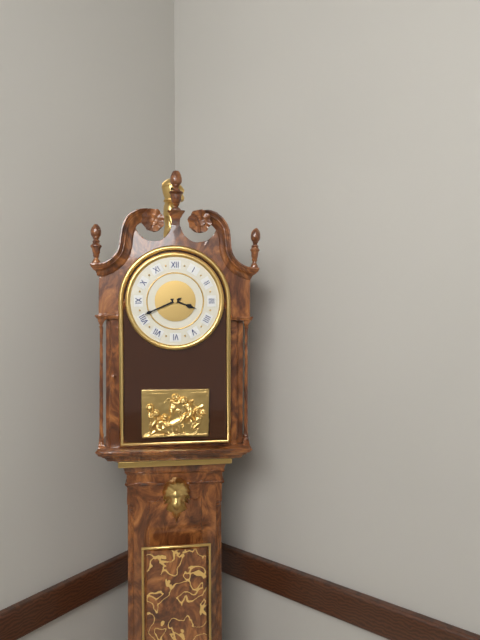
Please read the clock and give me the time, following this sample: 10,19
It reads 3,41
